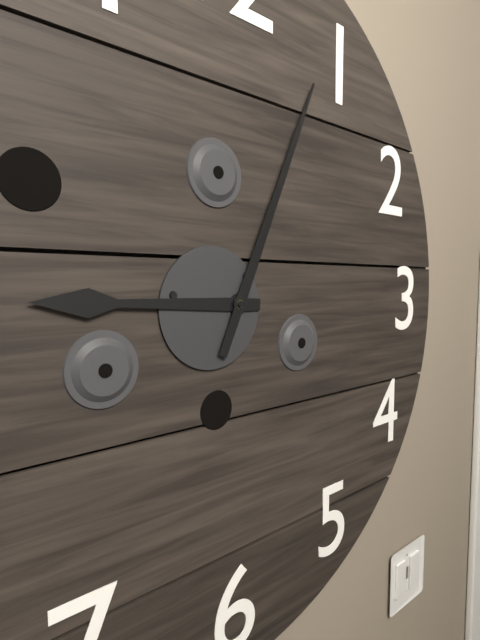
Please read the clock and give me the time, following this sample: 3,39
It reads 9,04
